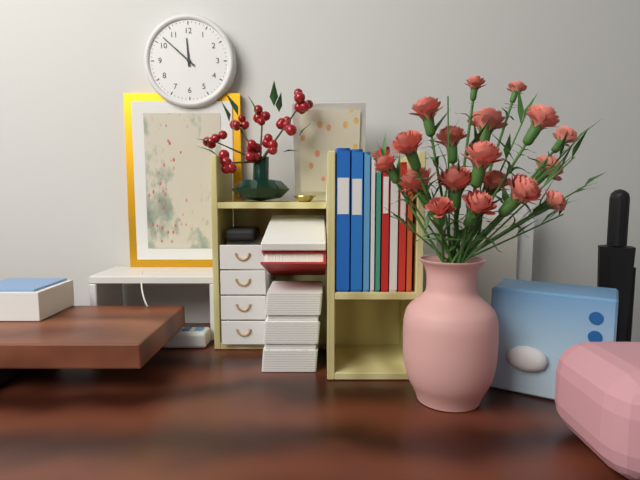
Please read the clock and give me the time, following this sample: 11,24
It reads 11,52
